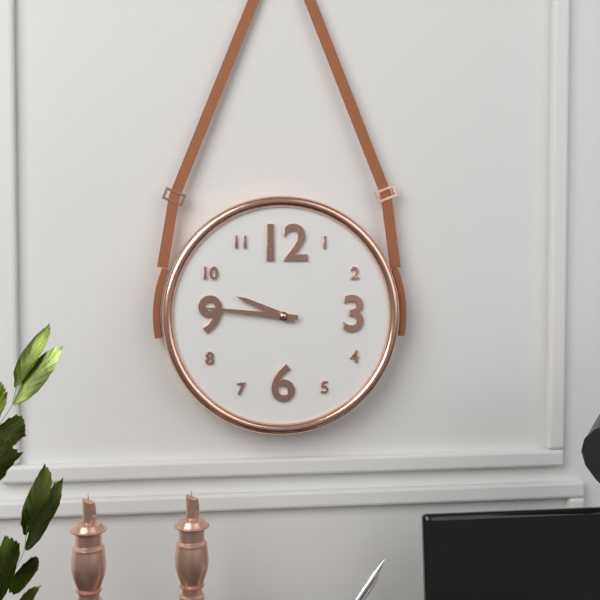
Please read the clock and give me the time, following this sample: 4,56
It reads 9,46
